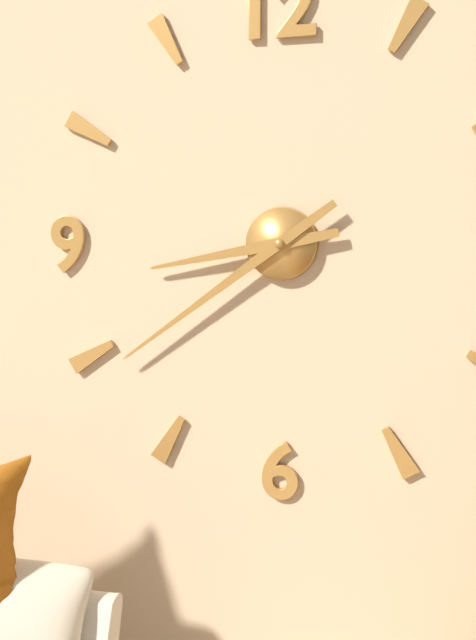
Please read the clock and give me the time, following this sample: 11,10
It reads 8,39
